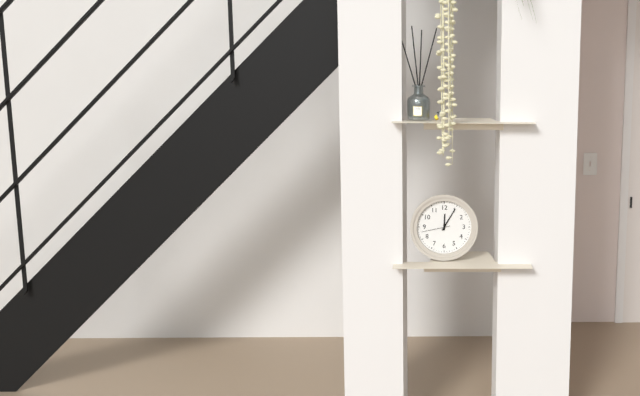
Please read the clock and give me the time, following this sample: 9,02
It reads 12,05
